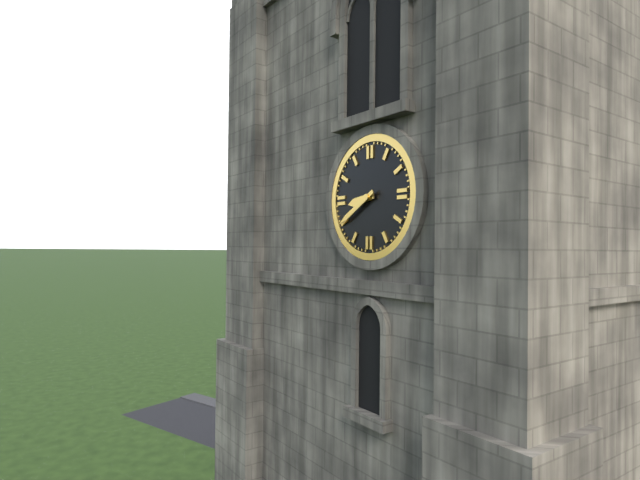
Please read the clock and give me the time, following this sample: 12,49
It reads 8,40
